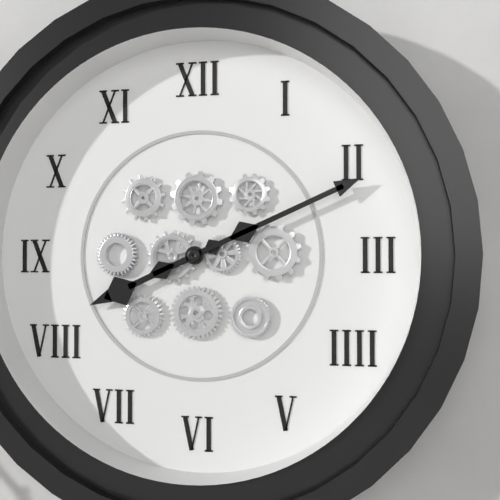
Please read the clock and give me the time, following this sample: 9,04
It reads 8,11
